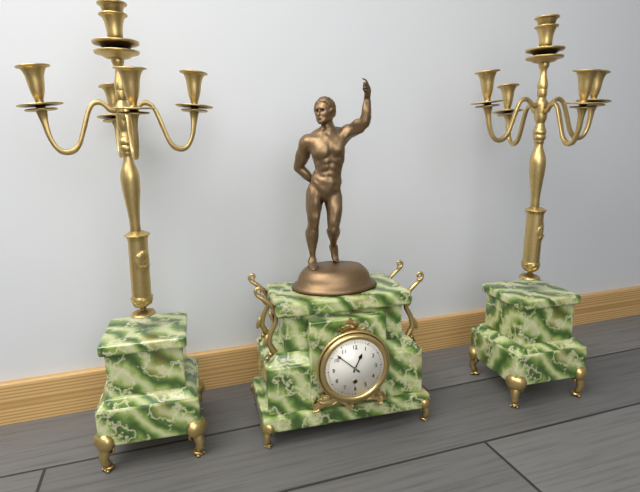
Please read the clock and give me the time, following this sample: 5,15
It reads 12,52
